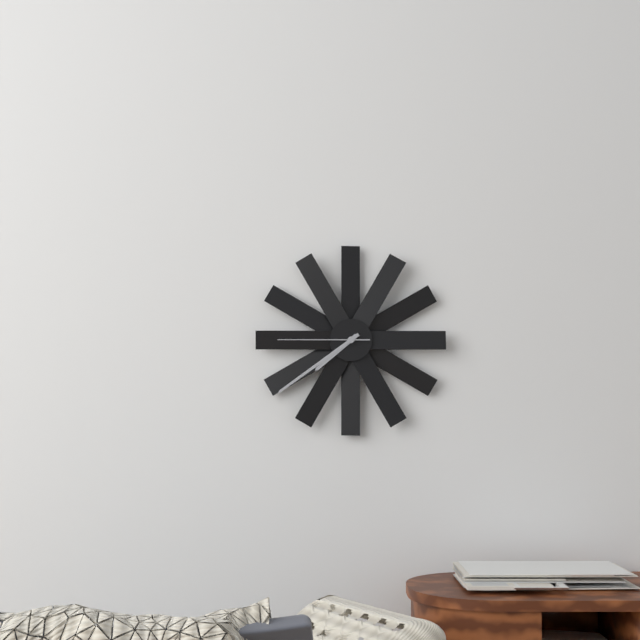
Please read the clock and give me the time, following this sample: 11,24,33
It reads 7,39,45
